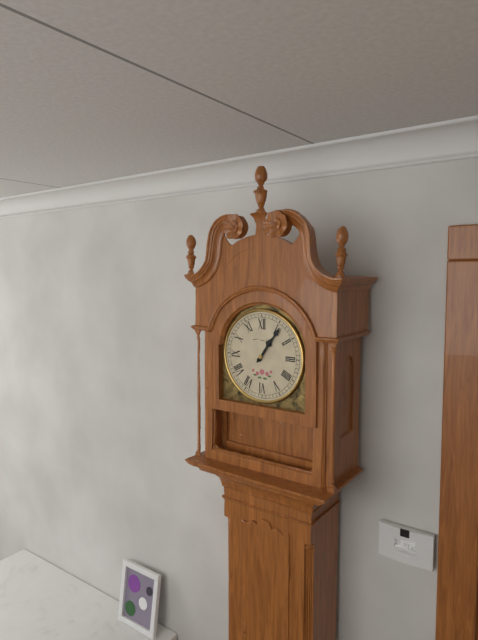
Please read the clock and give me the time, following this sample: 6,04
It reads 1,06
